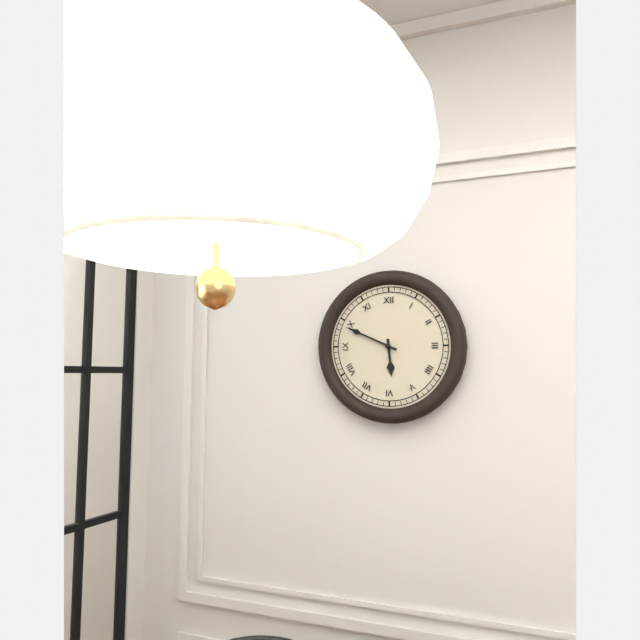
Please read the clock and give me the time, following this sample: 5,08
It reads 5,49
